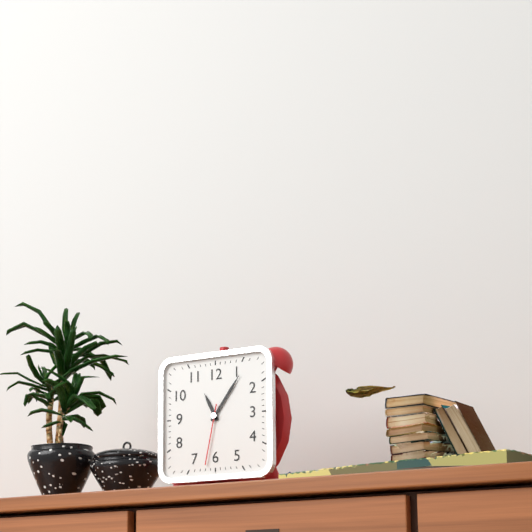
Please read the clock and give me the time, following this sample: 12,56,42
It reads 11,06,32
